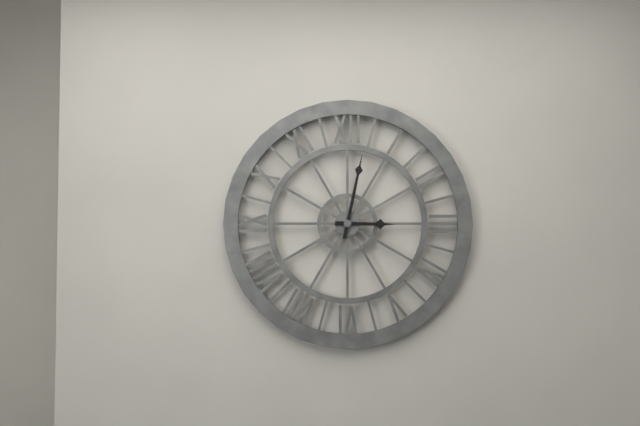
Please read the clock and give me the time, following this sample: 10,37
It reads 3,02
